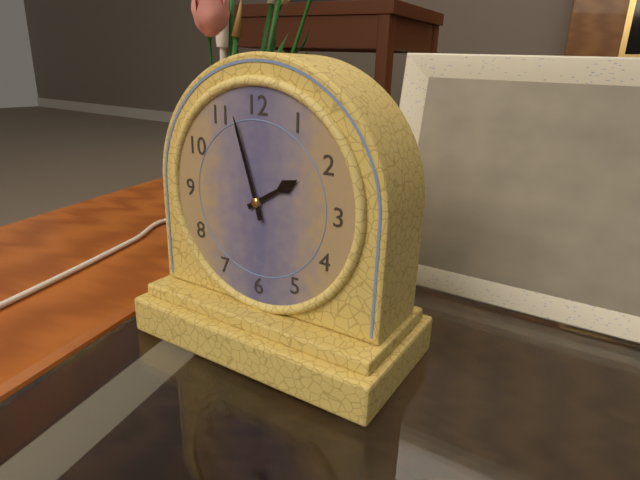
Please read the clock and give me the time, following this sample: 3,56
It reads 1,57
